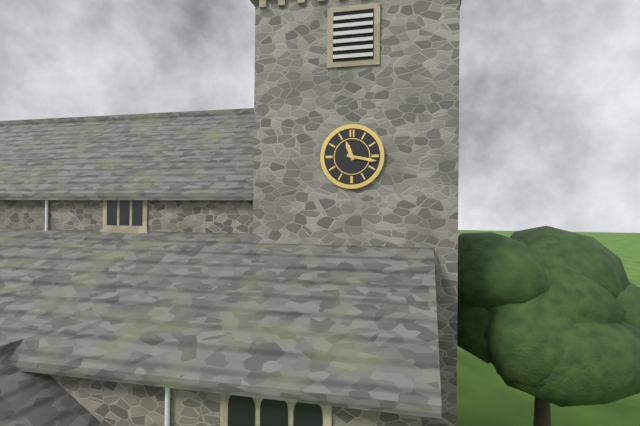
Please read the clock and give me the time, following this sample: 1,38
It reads 11,17
